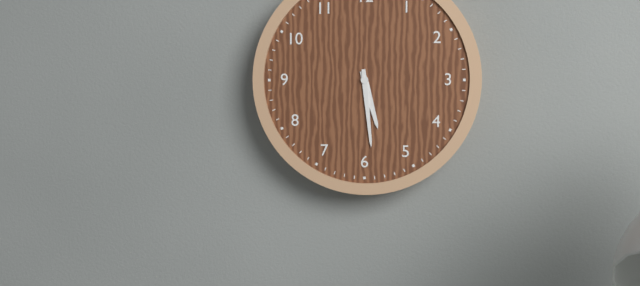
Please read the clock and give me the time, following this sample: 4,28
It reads 5,29
